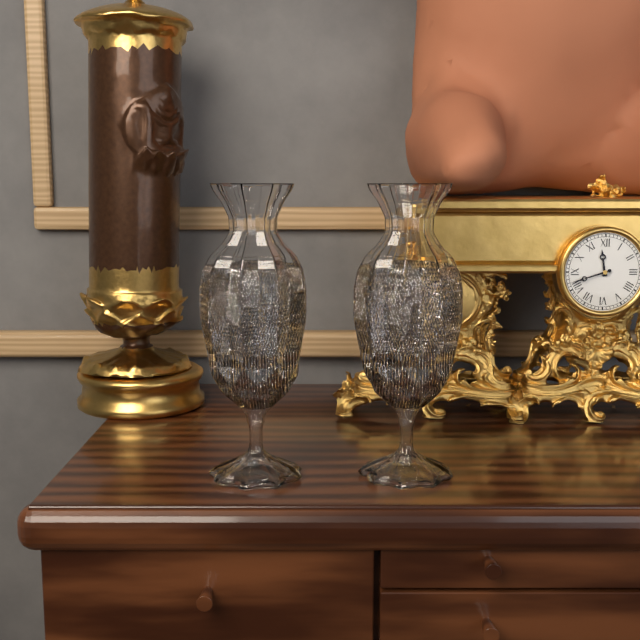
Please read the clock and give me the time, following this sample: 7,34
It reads 11,42
